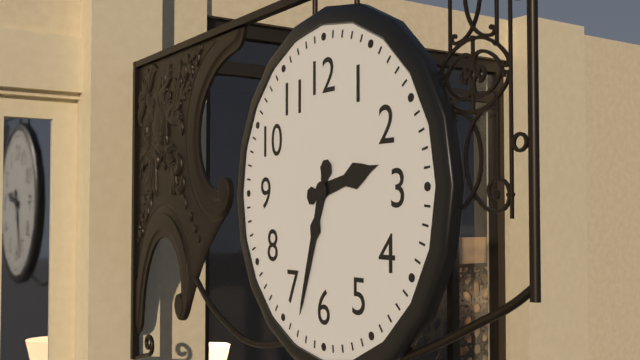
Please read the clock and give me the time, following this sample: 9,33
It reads 2,33
